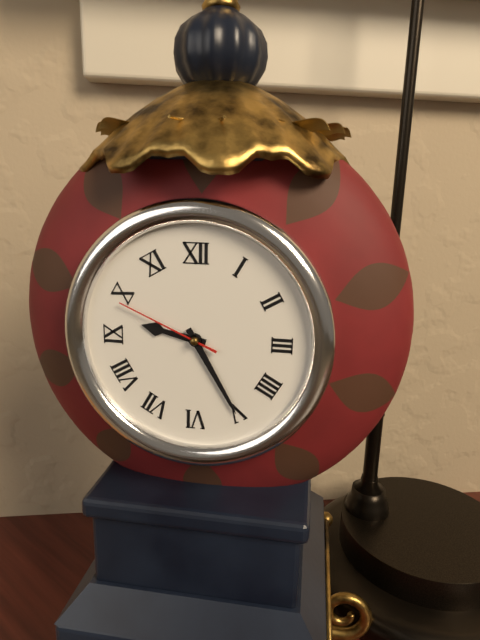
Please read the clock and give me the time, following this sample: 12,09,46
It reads 9,25,49
